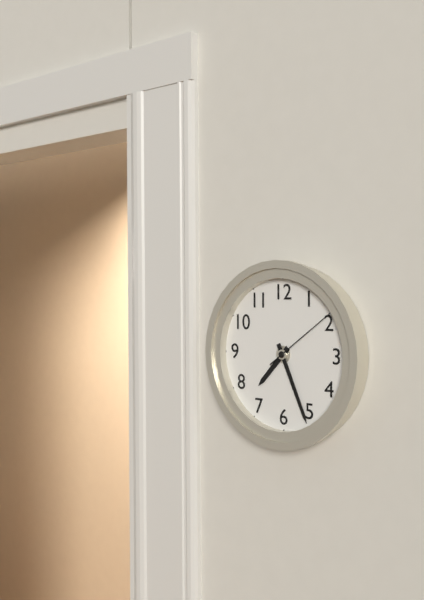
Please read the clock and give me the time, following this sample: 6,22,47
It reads 7,26,09
